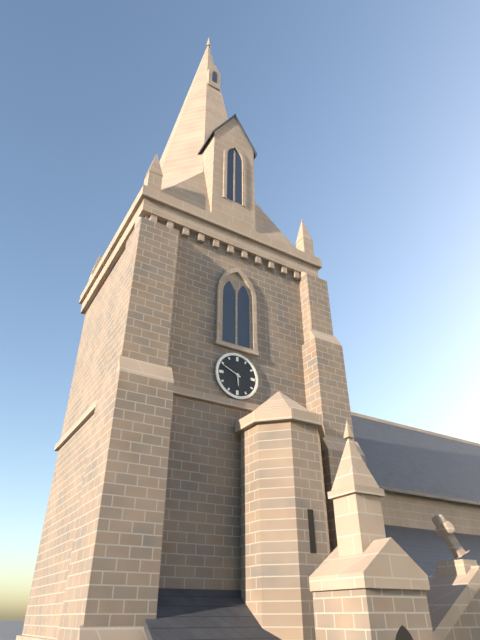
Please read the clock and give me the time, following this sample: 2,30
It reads 5,49
